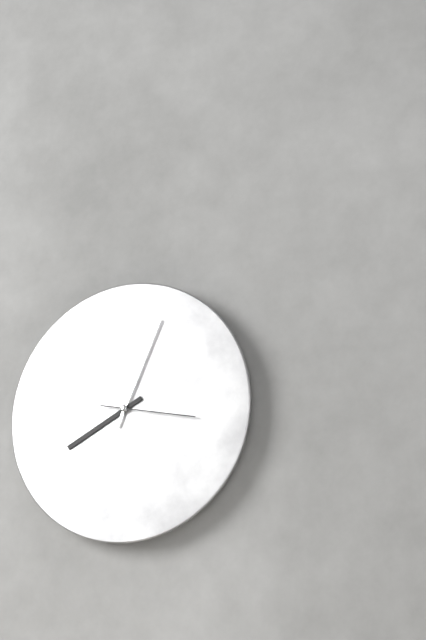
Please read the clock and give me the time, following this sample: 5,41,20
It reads 8,04,17
